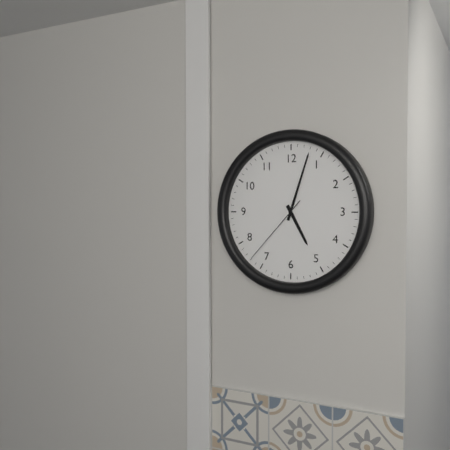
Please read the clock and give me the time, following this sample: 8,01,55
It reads 5,03,37
